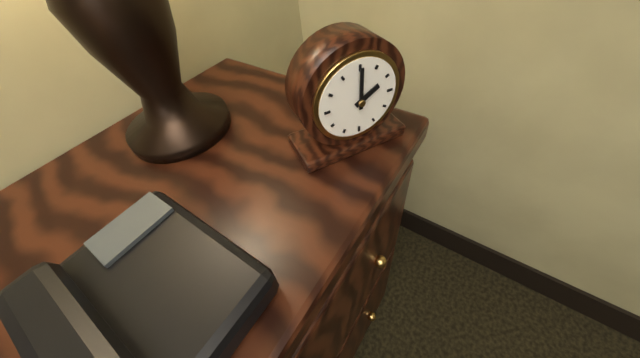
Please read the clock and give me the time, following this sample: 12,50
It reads 2,00
